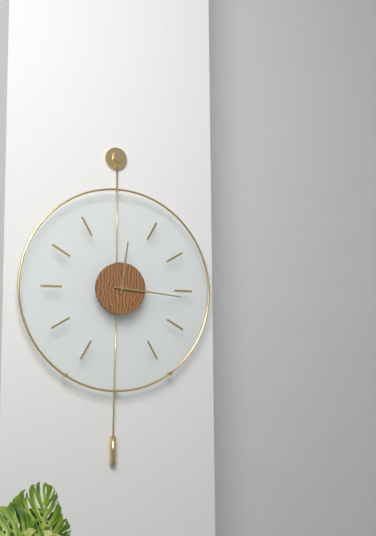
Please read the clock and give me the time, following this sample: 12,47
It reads 12,16
